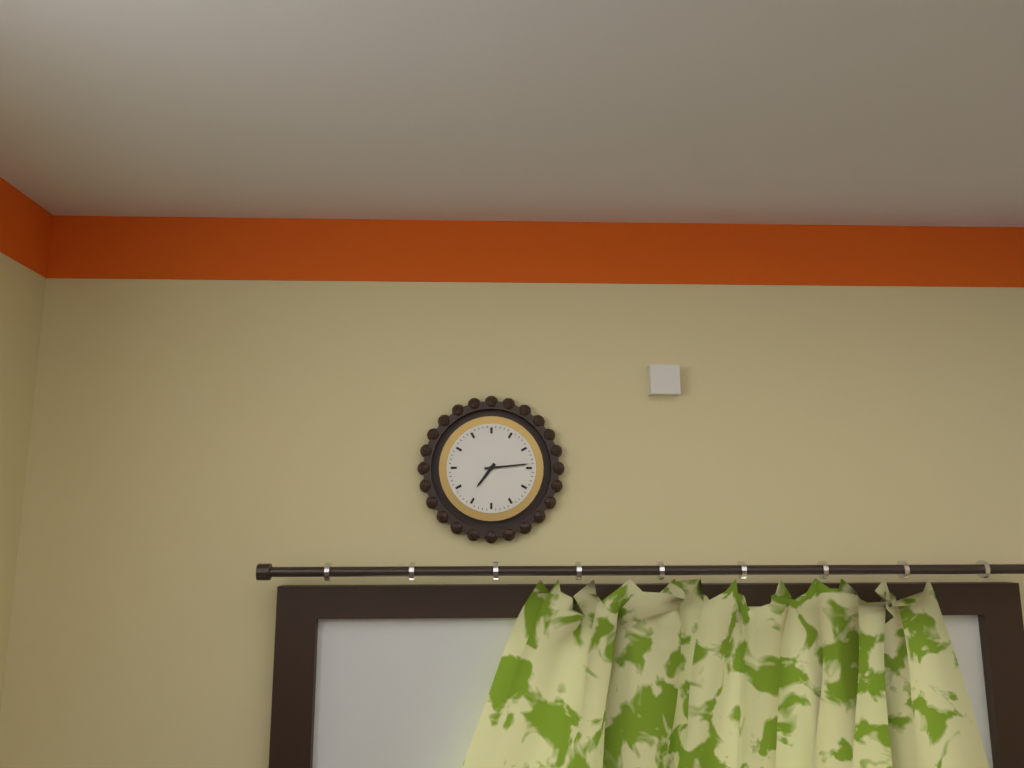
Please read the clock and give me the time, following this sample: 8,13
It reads 7,14
